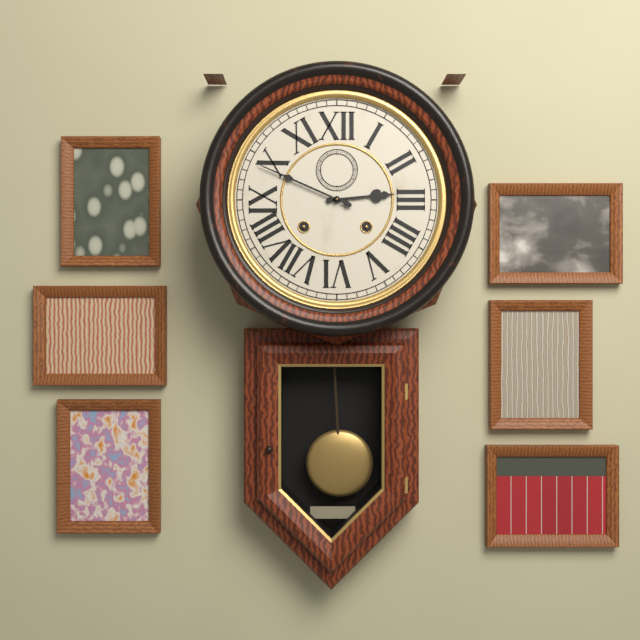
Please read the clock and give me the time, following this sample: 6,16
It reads 2,49
